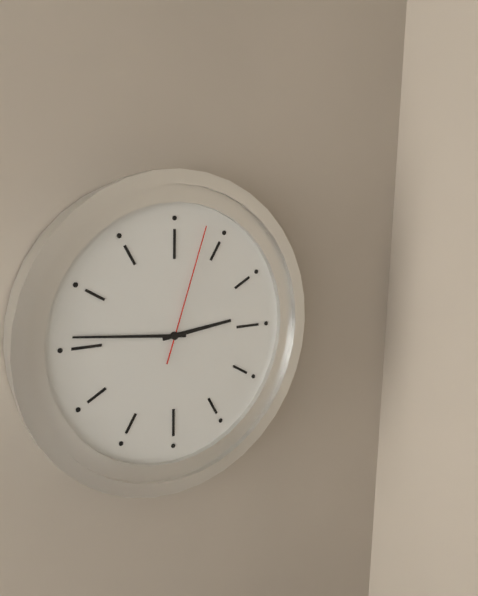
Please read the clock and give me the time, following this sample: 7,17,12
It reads 2,46,03
